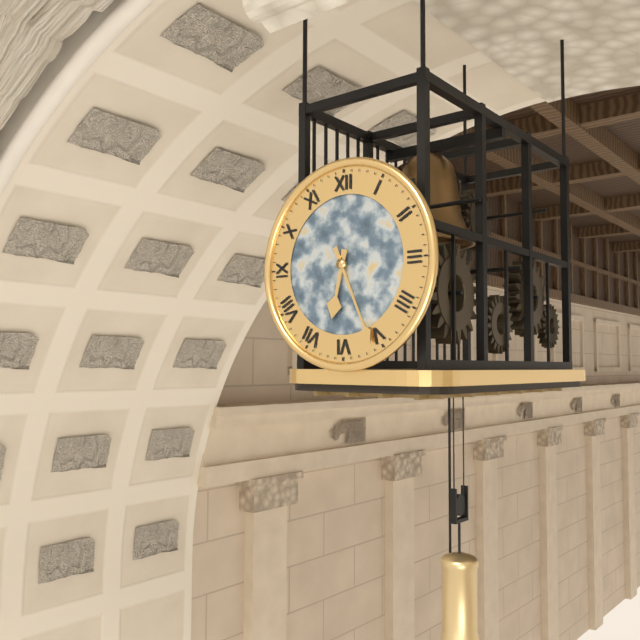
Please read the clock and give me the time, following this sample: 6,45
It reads 6,26
